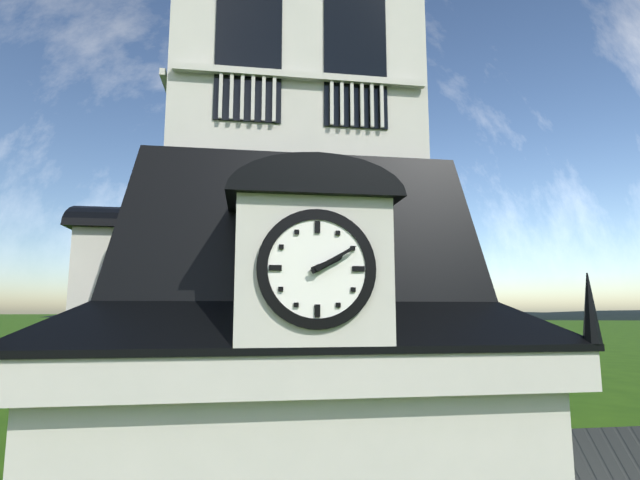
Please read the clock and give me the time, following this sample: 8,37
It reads 2,10
